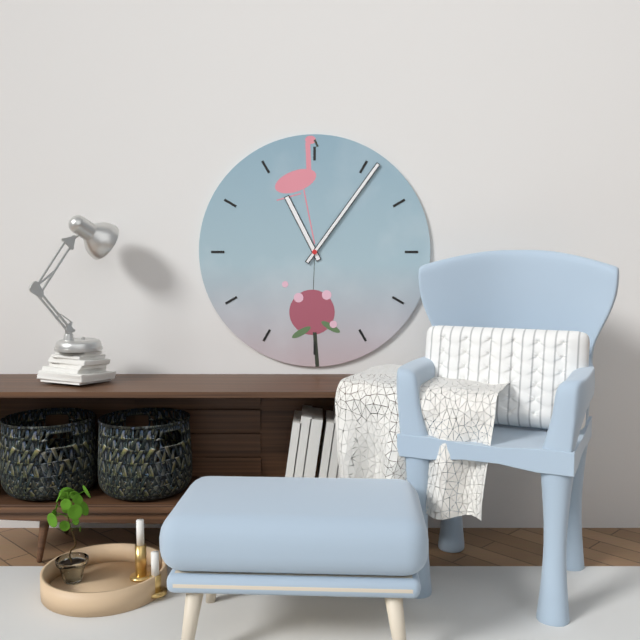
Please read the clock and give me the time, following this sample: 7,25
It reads 11,06
